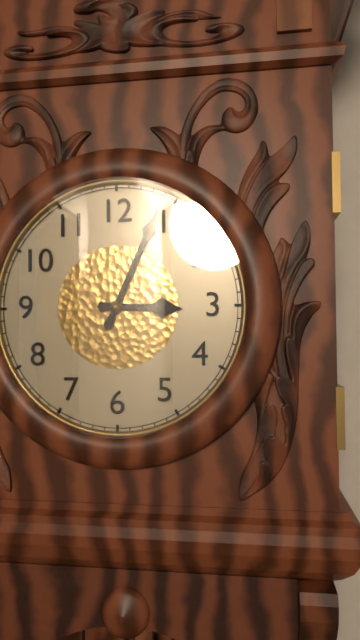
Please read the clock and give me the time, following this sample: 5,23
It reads 3,04
